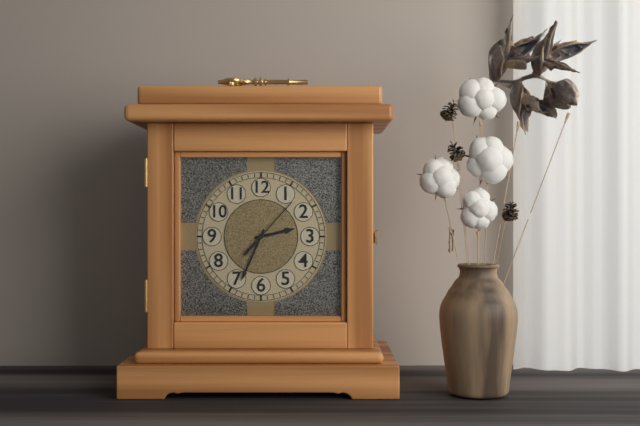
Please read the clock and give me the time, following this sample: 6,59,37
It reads 2,34,07
